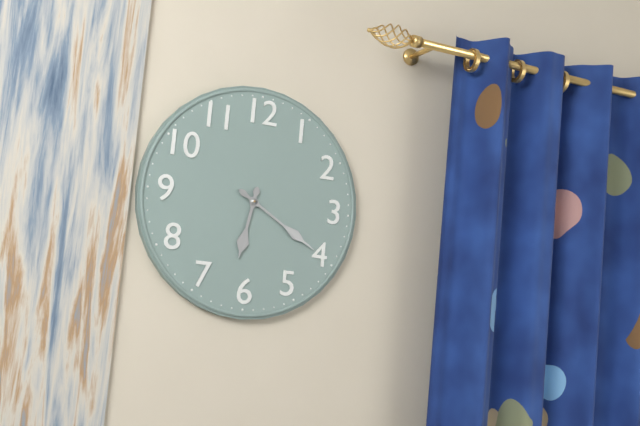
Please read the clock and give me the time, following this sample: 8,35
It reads 6,20
